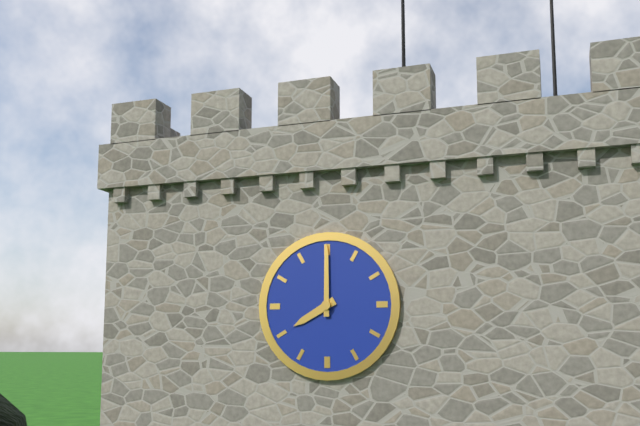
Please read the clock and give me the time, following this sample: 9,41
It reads 8,00
